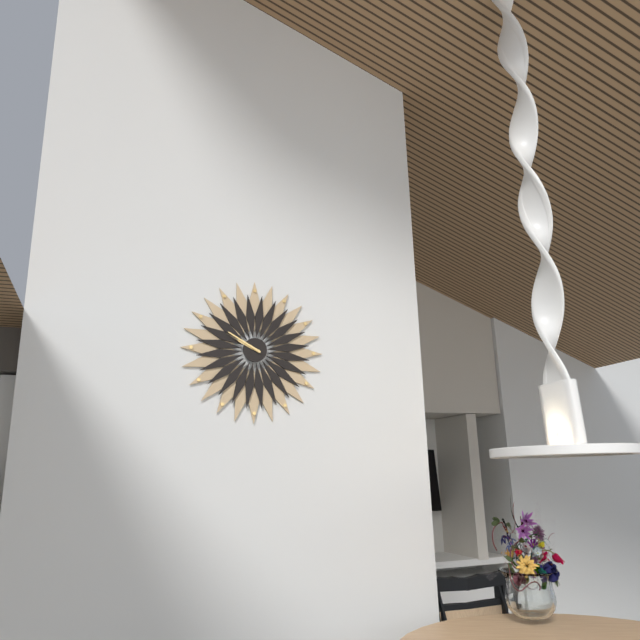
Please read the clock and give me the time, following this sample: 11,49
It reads 9,50
